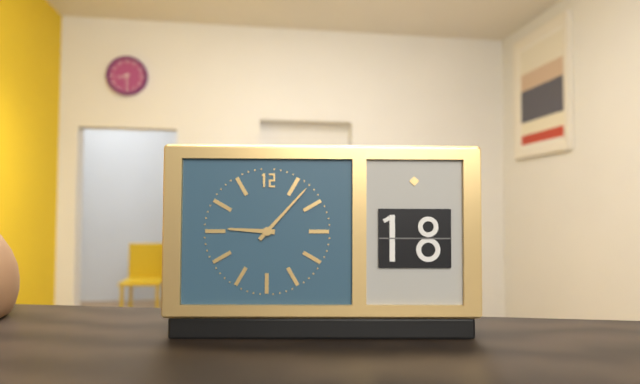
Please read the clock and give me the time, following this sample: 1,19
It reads 9,07
